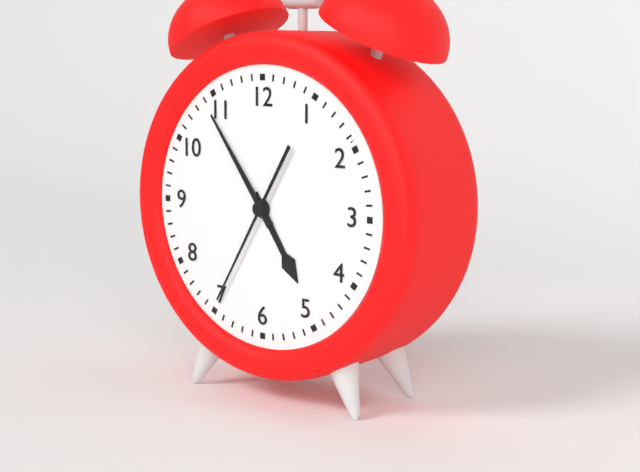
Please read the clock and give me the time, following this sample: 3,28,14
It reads 4,54,35
